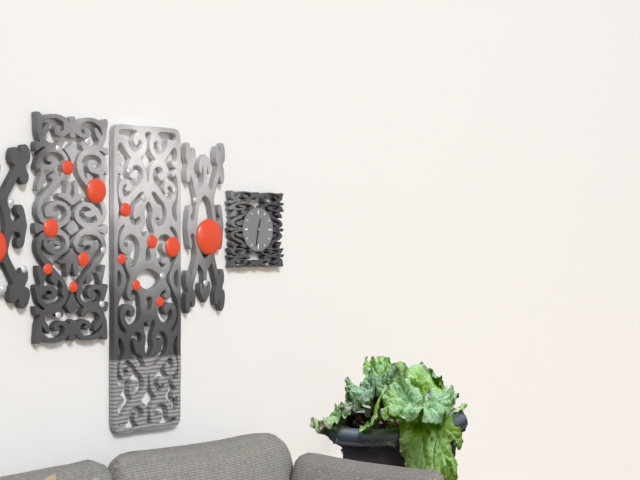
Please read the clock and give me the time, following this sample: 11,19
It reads 12,32
